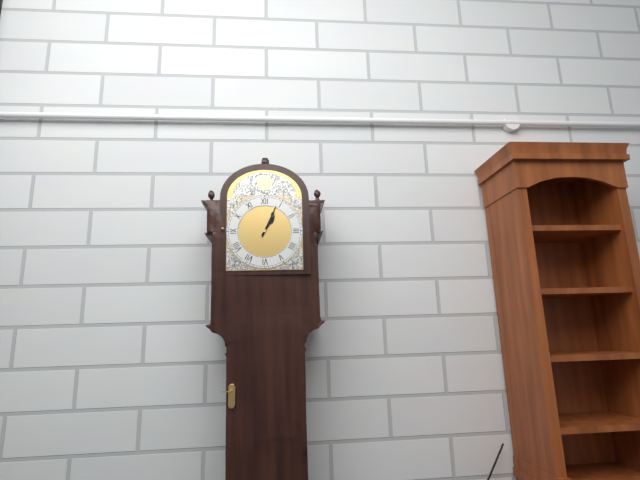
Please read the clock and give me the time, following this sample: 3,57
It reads 1,04
